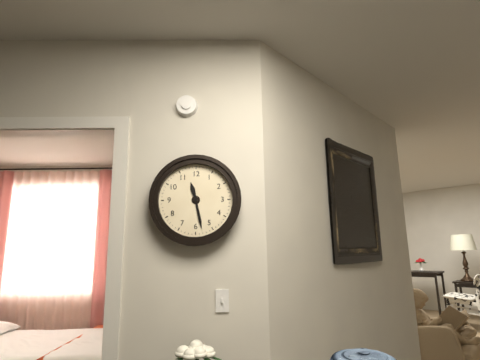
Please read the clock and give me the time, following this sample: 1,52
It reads 11,28
